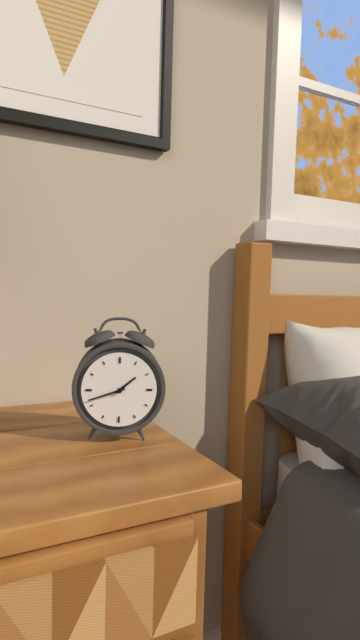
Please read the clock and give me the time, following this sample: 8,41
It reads 1,42
